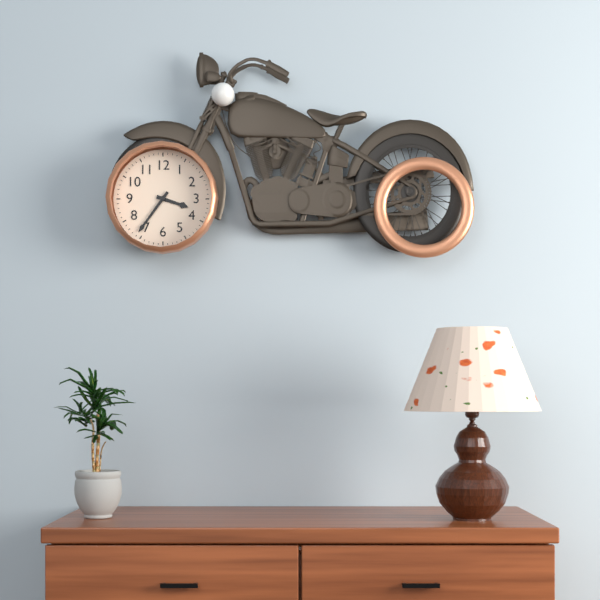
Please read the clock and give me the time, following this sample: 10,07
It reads 3,36
